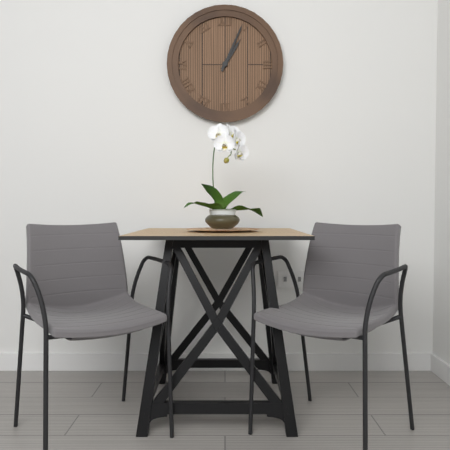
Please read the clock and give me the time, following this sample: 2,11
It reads 1,04
